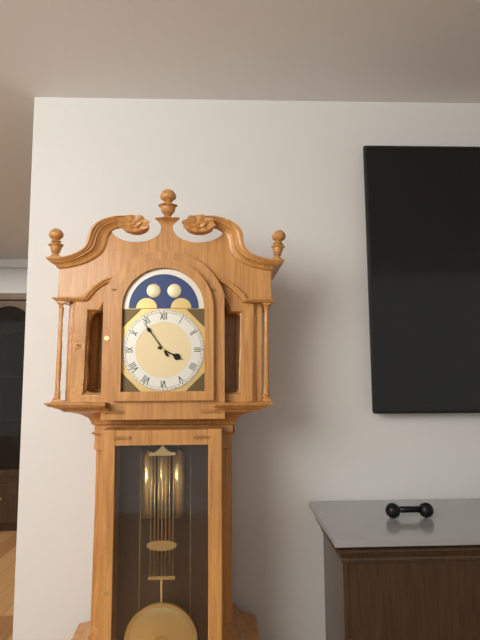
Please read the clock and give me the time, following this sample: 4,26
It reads 3,54
